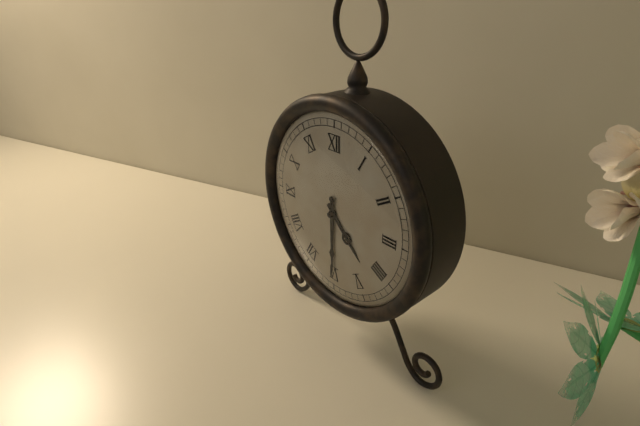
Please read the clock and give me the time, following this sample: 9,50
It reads 4,30
